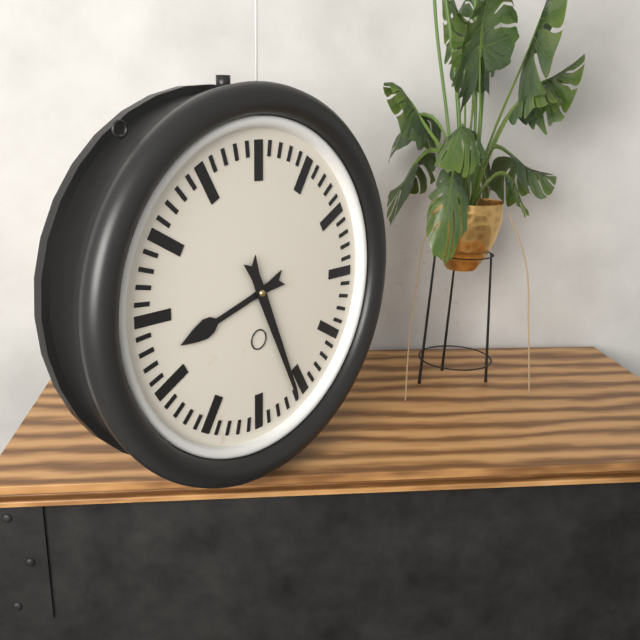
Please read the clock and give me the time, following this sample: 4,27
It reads 8,26
